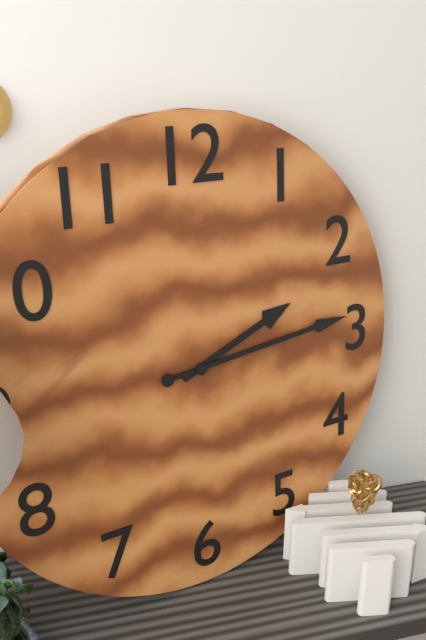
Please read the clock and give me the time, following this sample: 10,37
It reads 2,14
